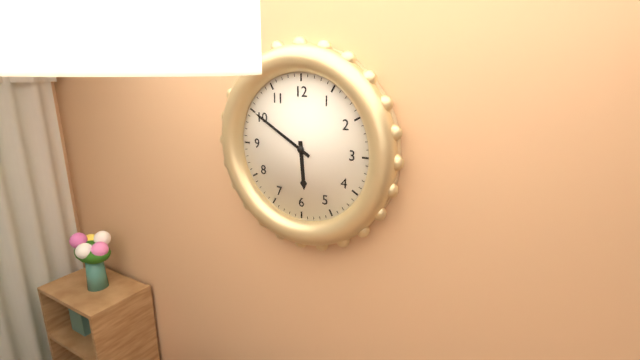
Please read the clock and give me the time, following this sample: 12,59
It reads 5,50
